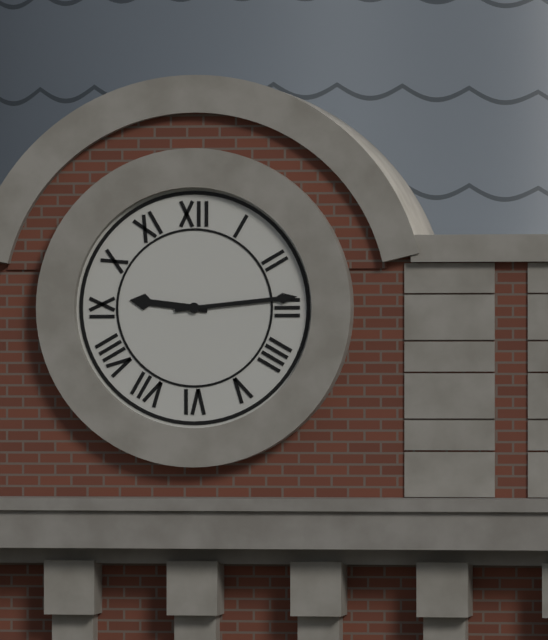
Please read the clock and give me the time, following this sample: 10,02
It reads 9,14
